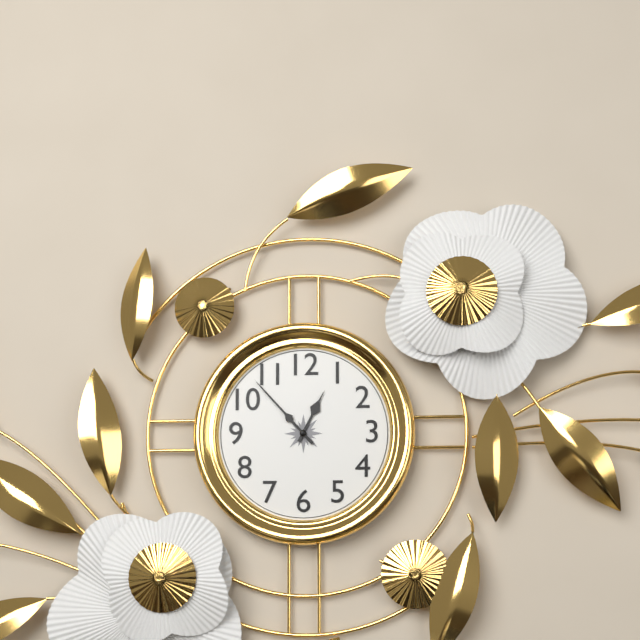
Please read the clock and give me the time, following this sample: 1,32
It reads 12,53
